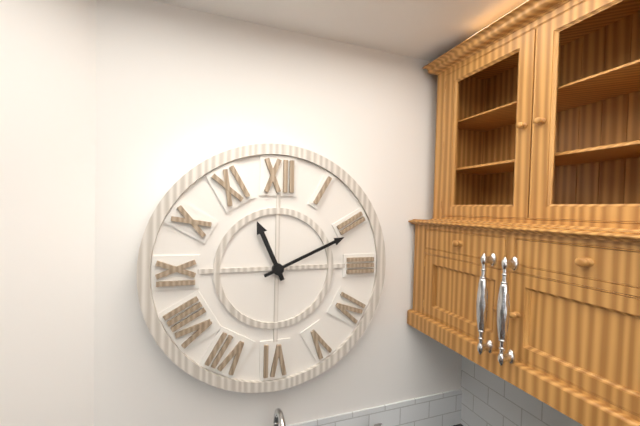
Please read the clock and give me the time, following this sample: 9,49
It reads 11,11
